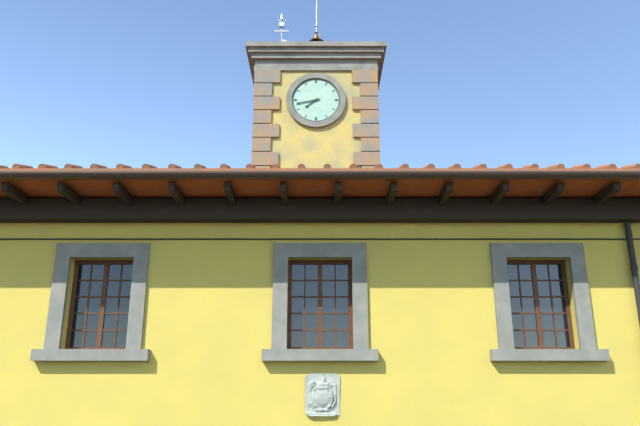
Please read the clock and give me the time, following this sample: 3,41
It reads 7,43
